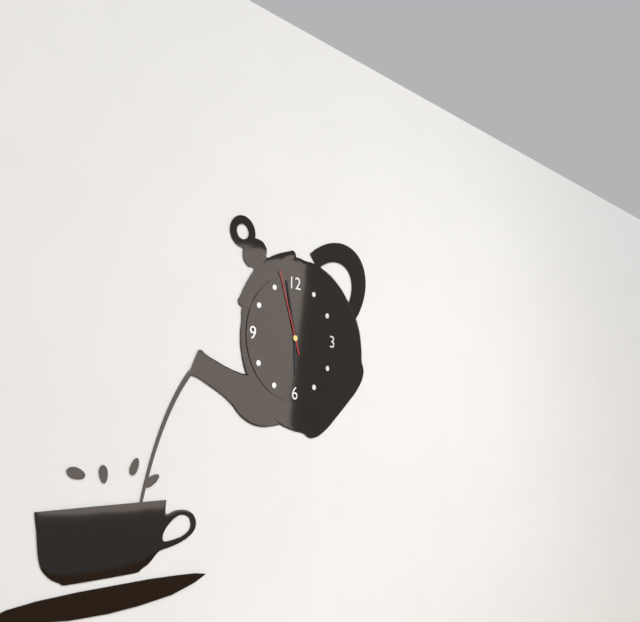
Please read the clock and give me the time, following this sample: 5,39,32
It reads 5,58,57
